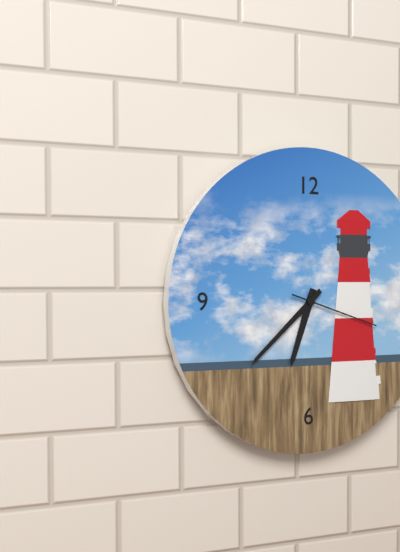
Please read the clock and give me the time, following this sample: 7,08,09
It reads 6,38,18
